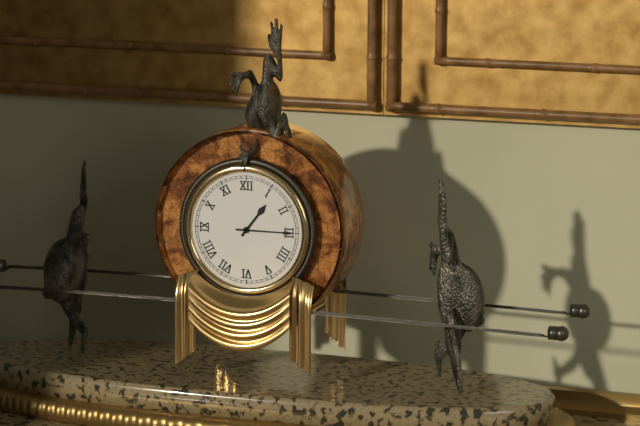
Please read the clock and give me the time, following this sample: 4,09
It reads 1,15
